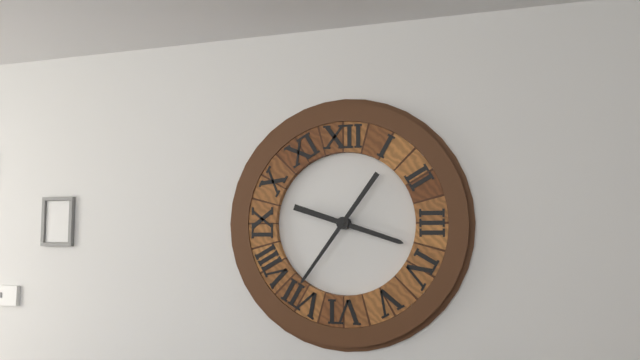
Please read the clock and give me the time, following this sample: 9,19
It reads 3,36
